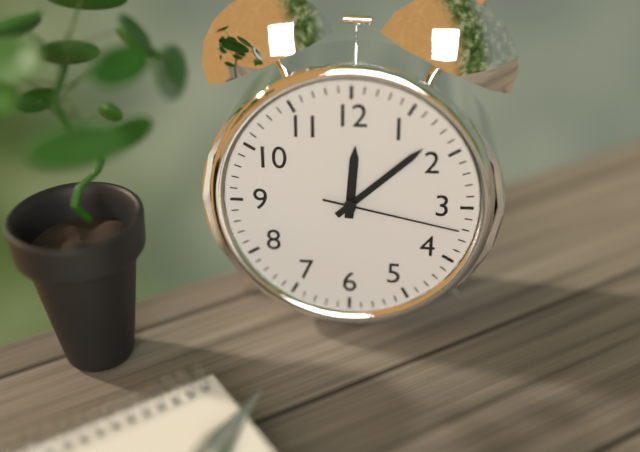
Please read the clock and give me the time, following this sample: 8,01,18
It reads 12,08,17
